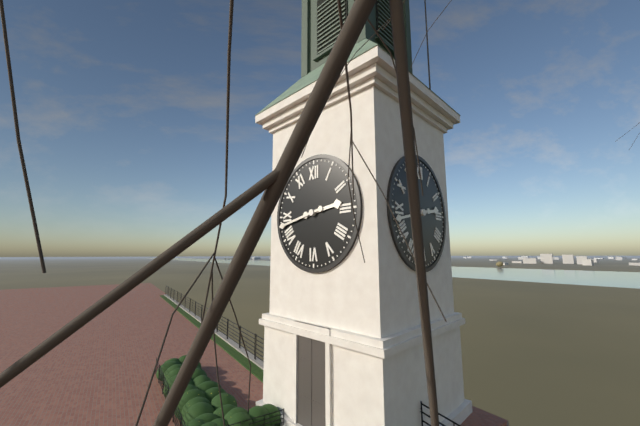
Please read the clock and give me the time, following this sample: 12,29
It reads 2,43
